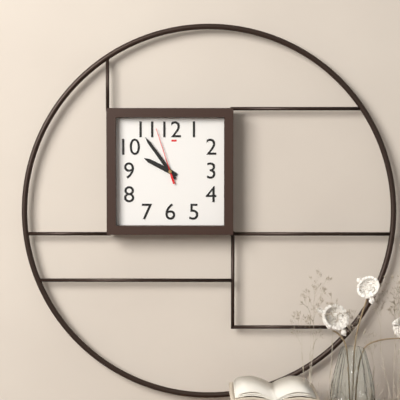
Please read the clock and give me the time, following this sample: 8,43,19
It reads 9,54,57
